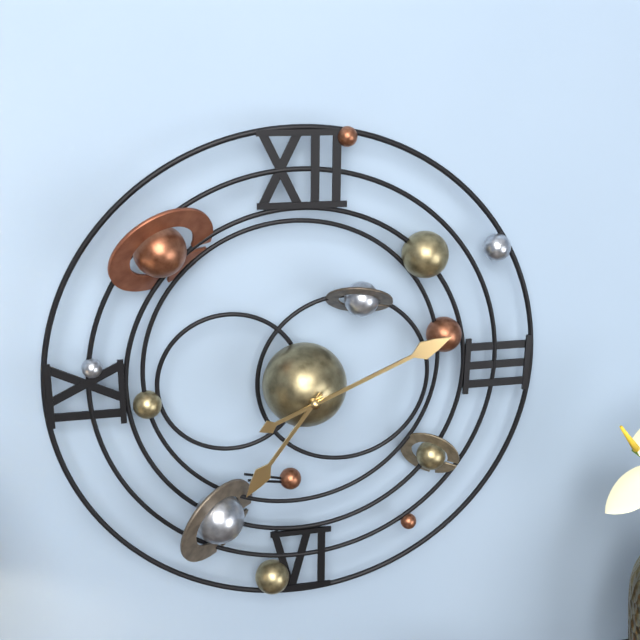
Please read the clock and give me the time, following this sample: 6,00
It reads 7,11
